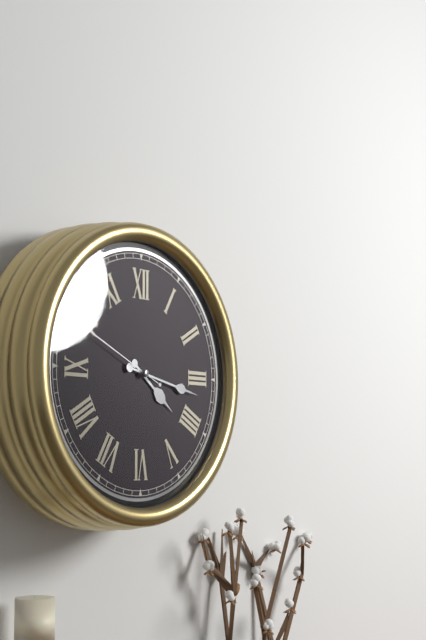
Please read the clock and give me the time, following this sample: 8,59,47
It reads 4,17,49
